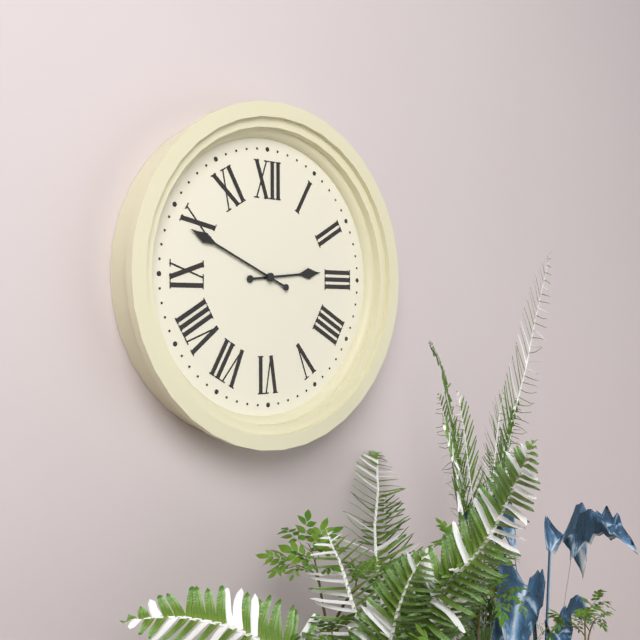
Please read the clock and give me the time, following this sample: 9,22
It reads 2,49
